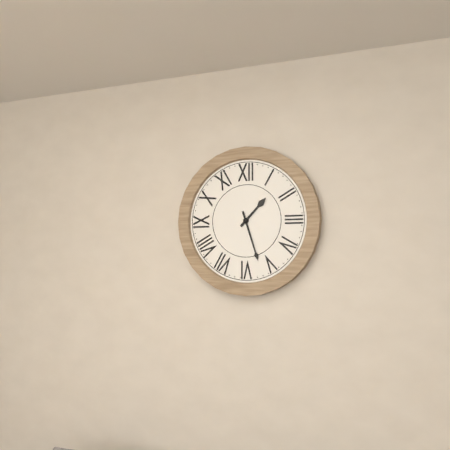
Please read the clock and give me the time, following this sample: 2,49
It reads 1,27
